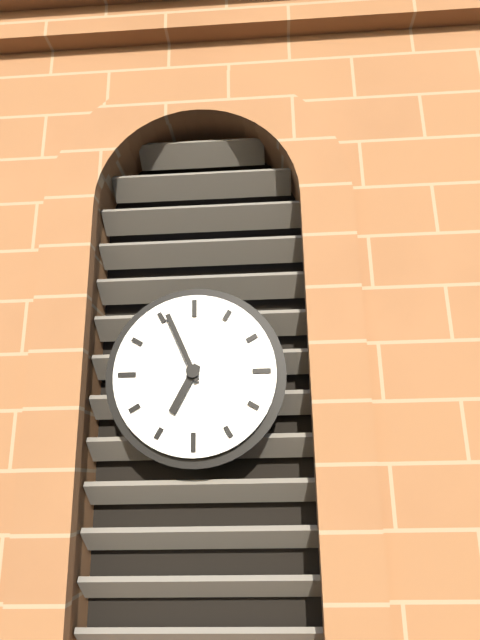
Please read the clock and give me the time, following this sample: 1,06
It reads 6,56
